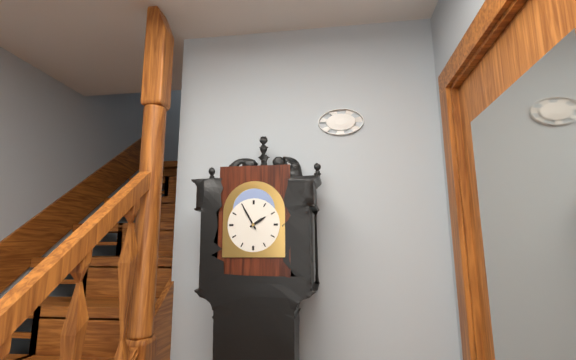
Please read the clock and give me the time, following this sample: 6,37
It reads 1,55
